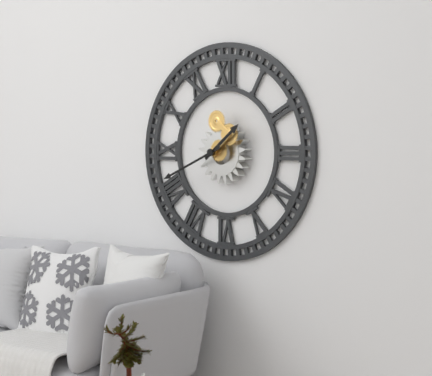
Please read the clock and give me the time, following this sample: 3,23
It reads 1,41
